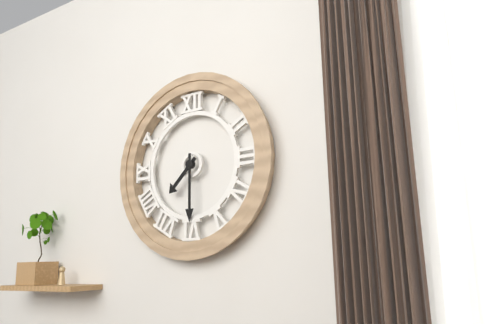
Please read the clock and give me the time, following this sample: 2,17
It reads 7,30
